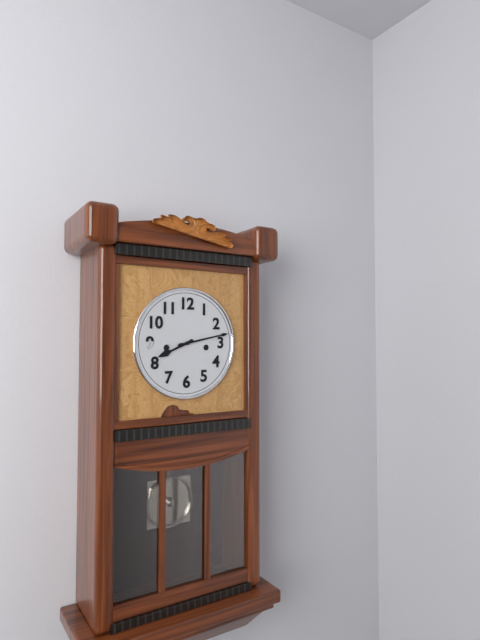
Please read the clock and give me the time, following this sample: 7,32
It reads 8,13
